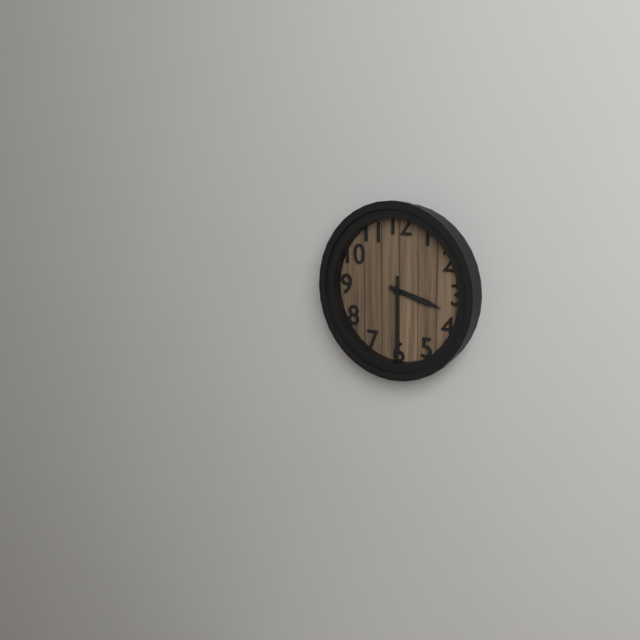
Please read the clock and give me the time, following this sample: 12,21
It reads 3,30
